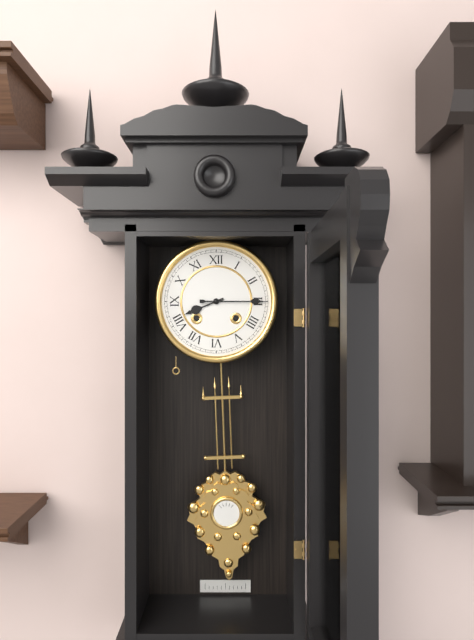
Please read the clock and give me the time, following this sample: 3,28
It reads 8,15
